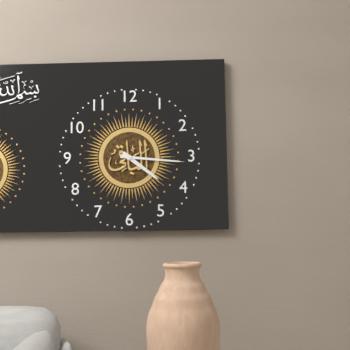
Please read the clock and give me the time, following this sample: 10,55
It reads 4,16
